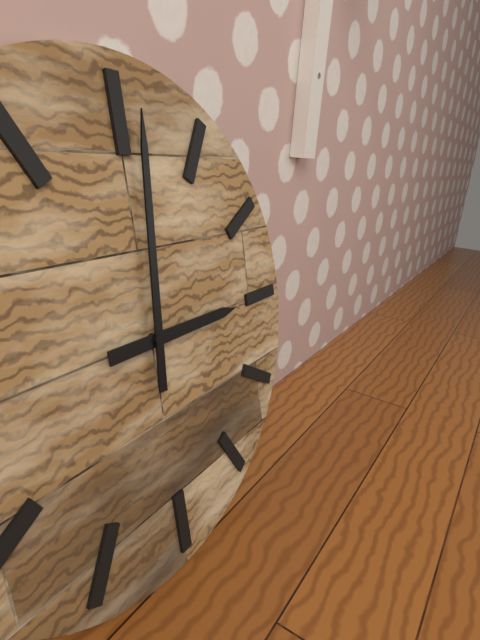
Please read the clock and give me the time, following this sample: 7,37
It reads 3,01
